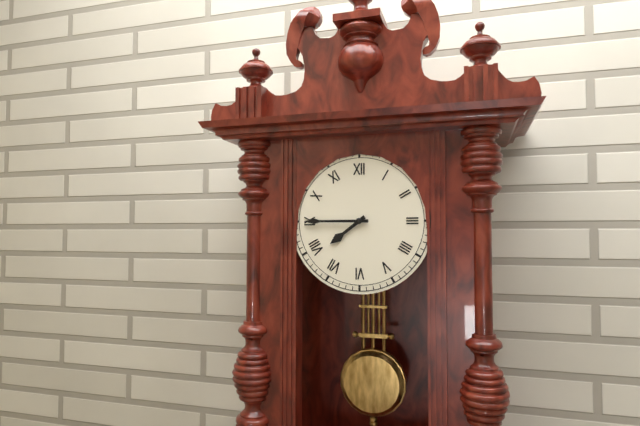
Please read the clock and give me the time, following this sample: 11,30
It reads 7,45
